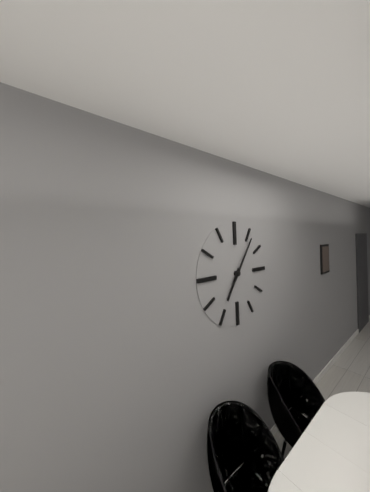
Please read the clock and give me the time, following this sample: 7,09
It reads 7,06
